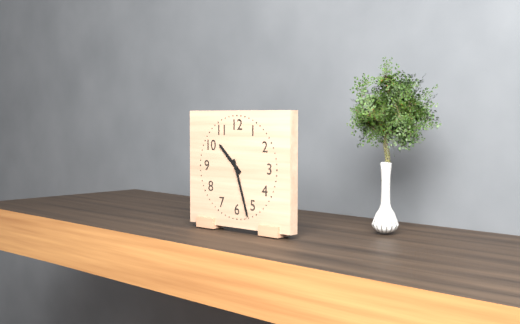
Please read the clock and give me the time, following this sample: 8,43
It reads 10,27
